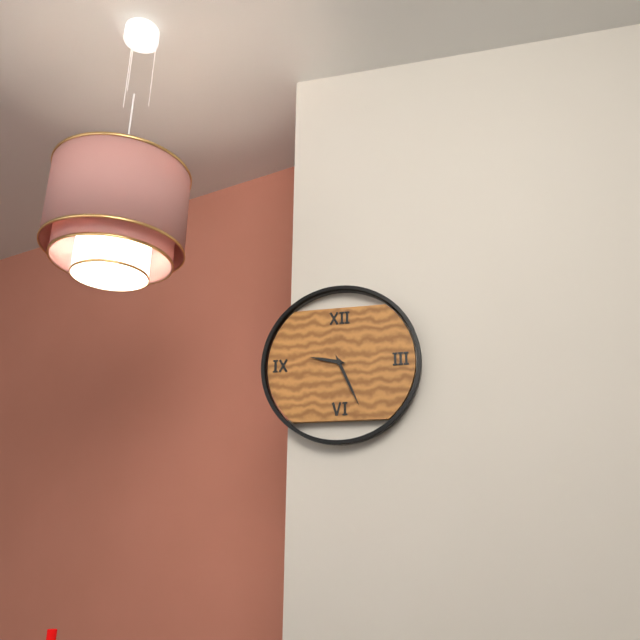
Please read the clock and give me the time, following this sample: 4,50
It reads 9,26
